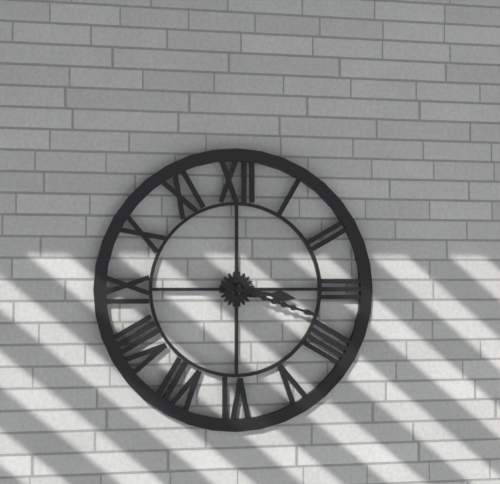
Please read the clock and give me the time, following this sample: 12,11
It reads 3,18
